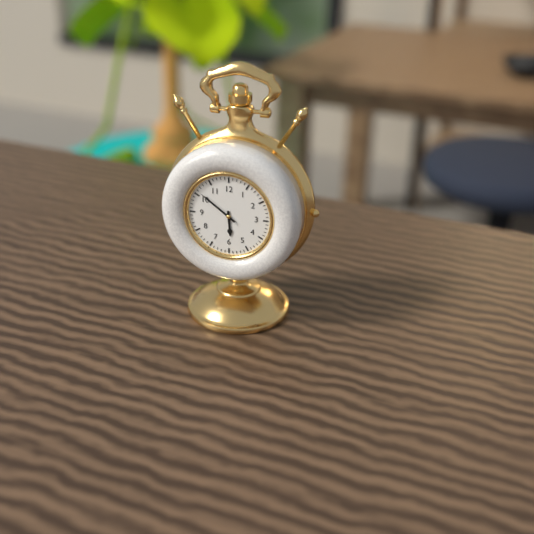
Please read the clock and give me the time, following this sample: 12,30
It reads 5,51
